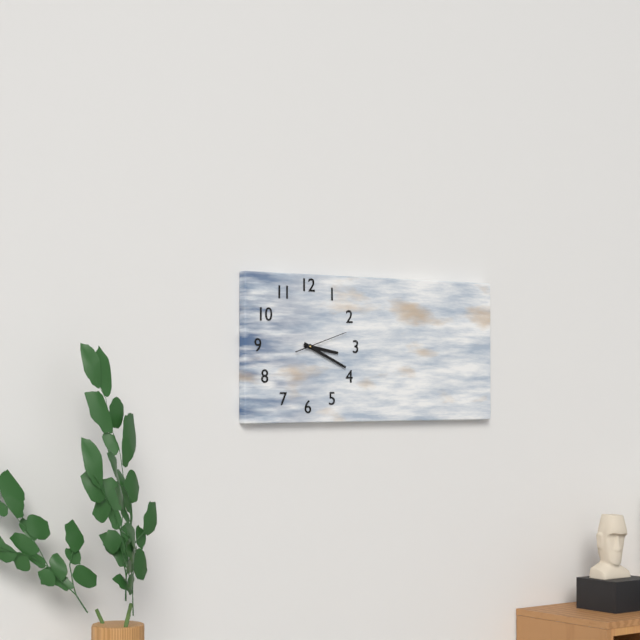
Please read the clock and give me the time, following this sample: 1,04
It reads 3,19
